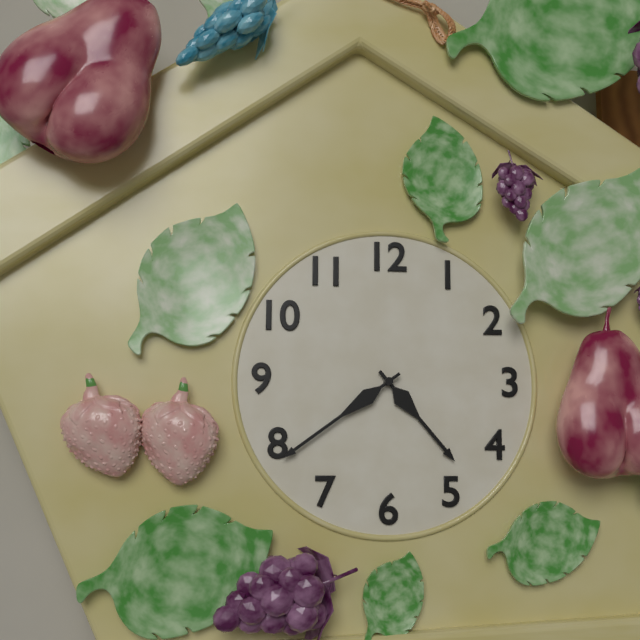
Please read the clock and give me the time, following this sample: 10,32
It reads 4,39
